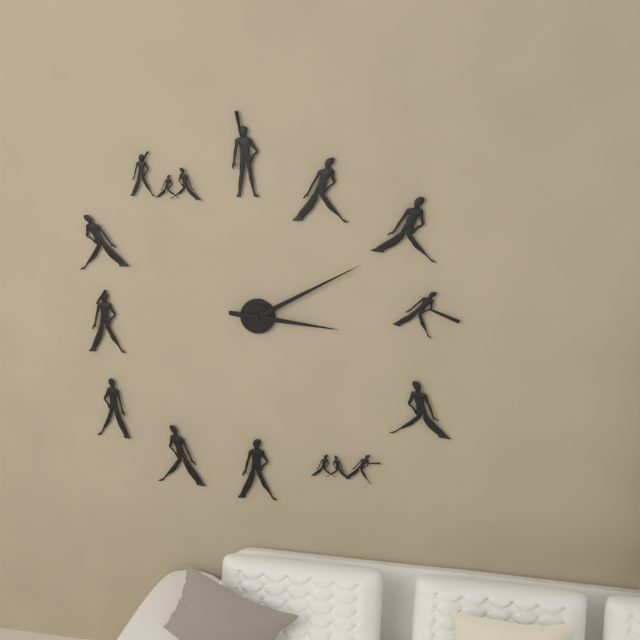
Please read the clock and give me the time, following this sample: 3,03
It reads 3,10
